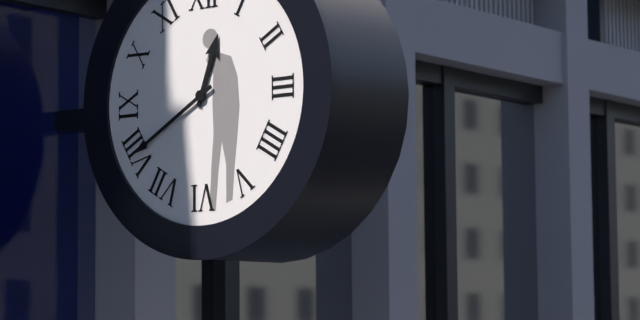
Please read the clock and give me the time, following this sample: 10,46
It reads 12,40
